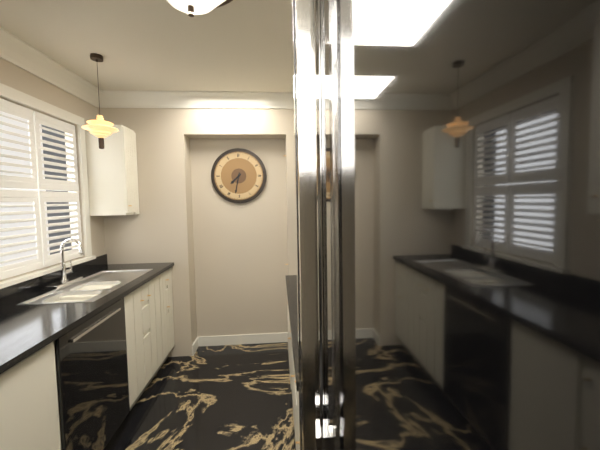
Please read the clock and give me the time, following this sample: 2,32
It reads 7,32
